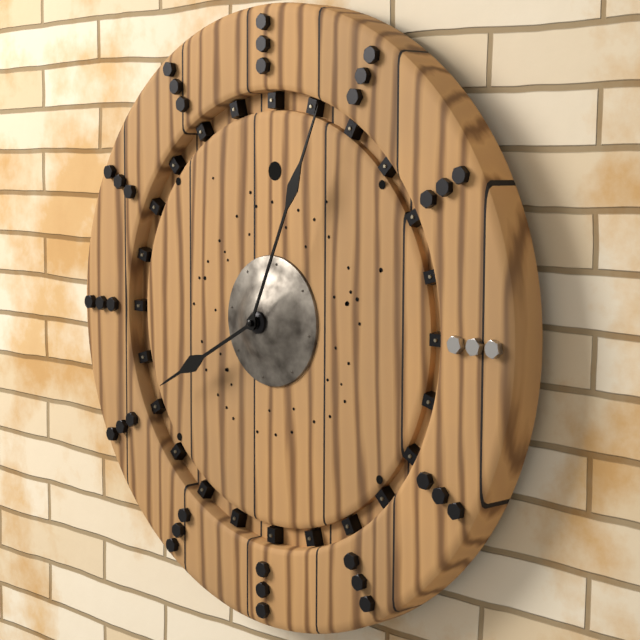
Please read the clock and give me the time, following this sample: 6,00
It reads 8,04
